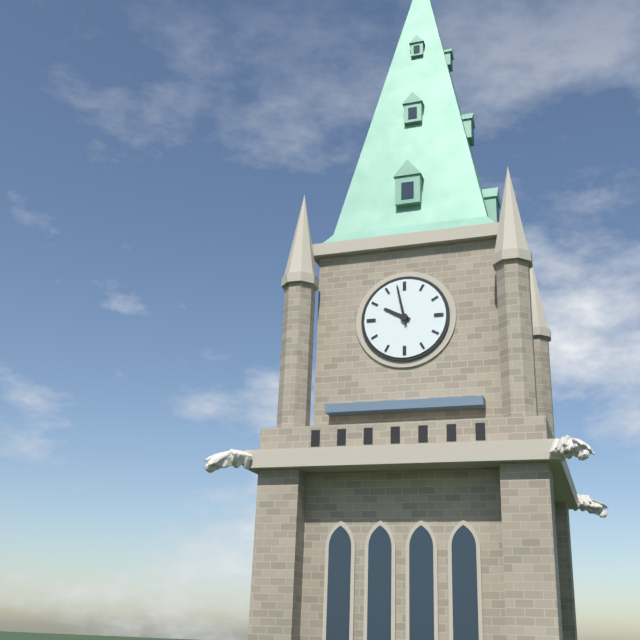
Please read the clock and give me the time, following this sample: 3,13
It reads 9,58
